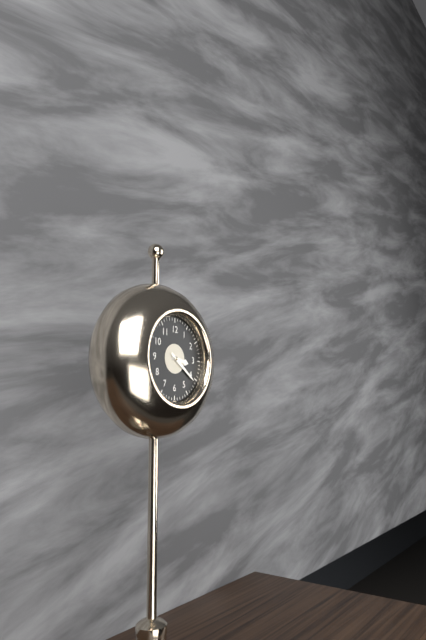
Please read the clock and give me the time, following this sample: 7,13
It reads 3,21
